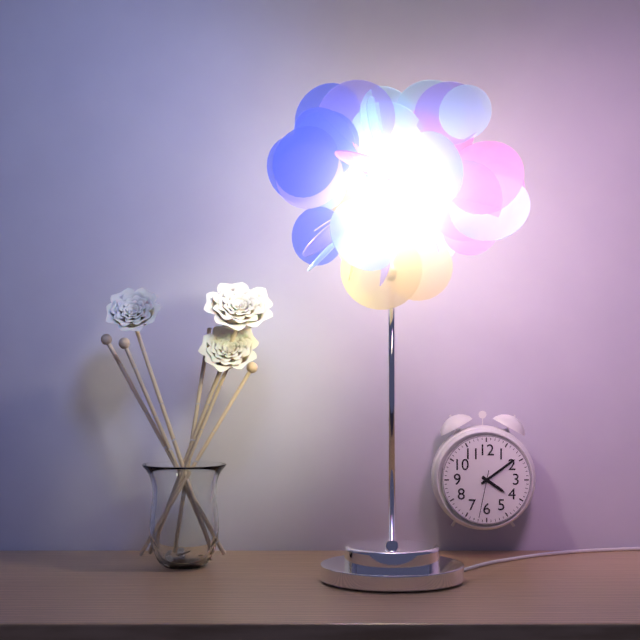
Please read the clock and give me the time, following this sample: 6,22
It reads 4,09
